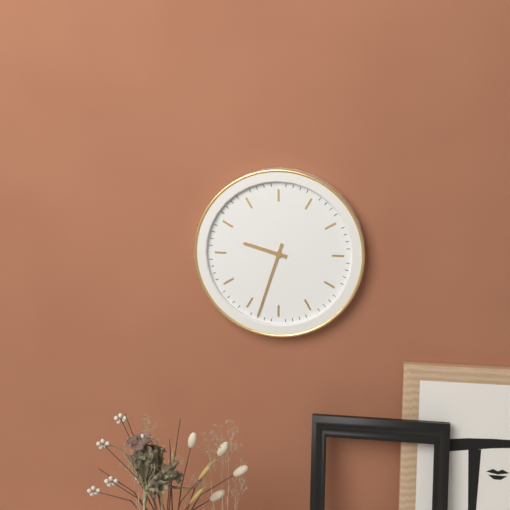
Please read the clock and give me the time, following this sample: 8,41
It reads 9,33
